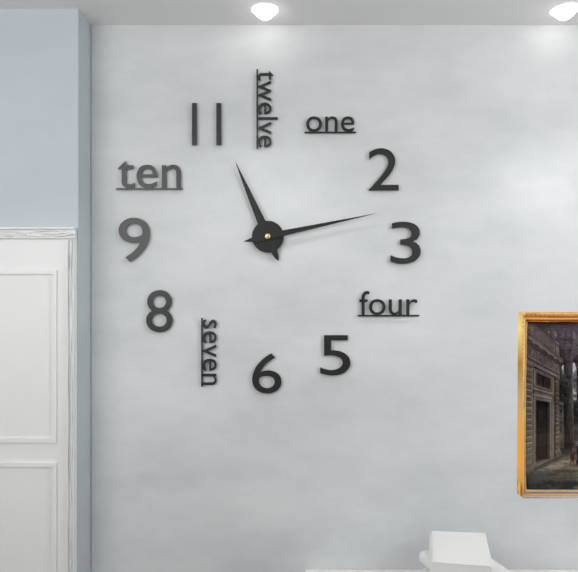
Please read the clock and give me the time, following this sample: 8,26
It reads 11,13
